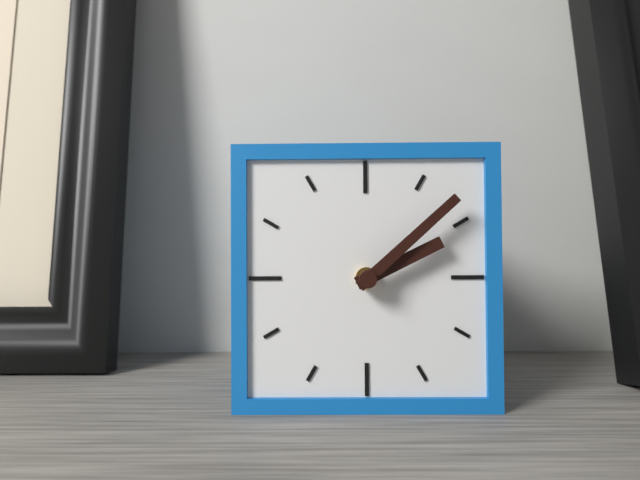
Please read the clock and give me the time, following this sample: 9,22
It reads 2,08
